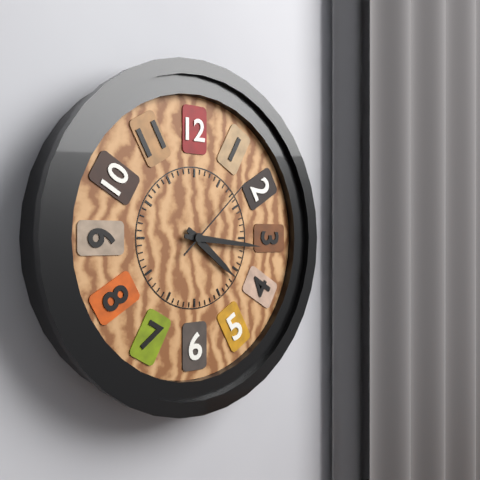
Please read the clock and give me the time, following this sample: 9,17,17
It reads 4,16,08
